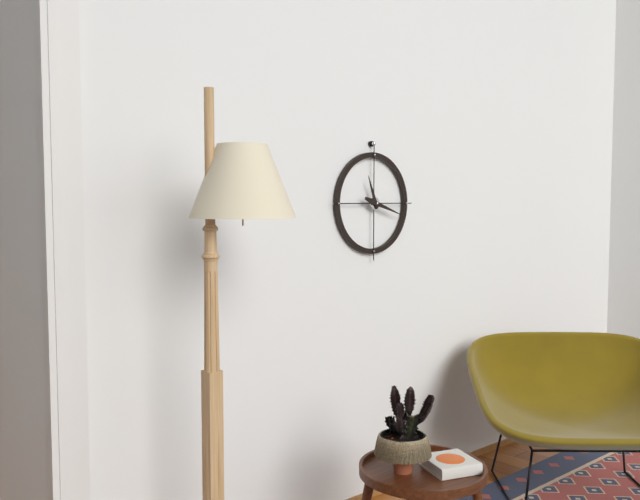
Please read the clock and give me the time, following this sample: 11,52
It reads 11,18
